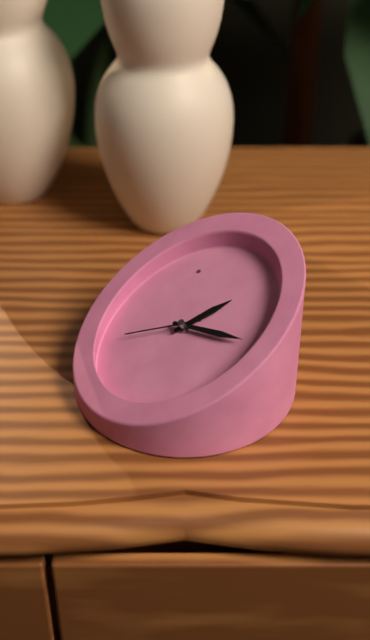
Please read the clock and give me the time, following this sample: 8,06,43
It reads 3,25,51
